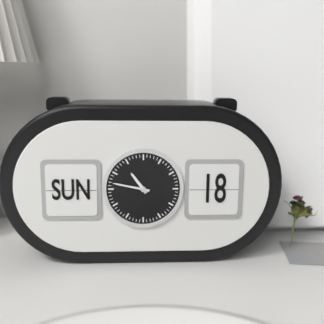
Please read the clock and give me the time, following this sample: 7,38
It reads 10,47
